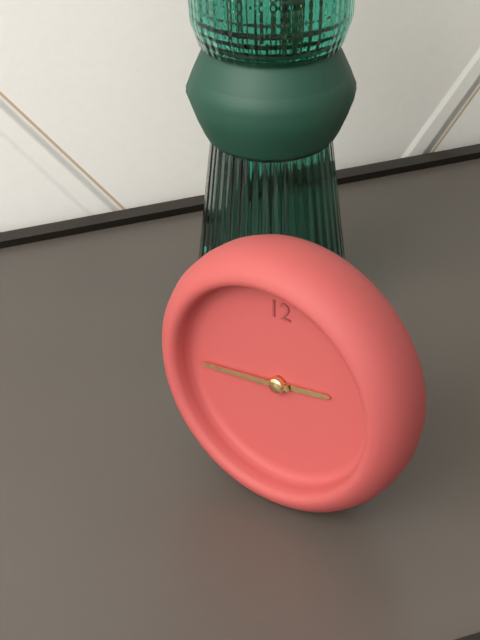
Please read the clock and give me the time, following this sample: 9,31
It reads 2,44
